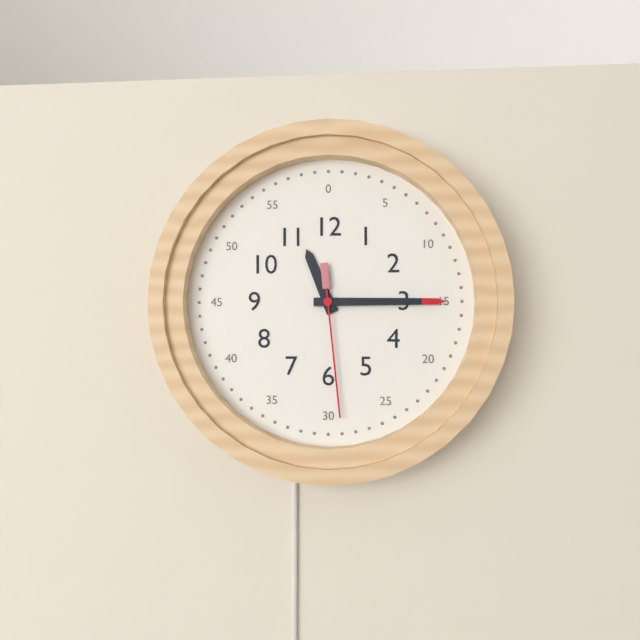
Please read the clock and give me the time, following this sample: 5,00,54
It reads 11,15,29
